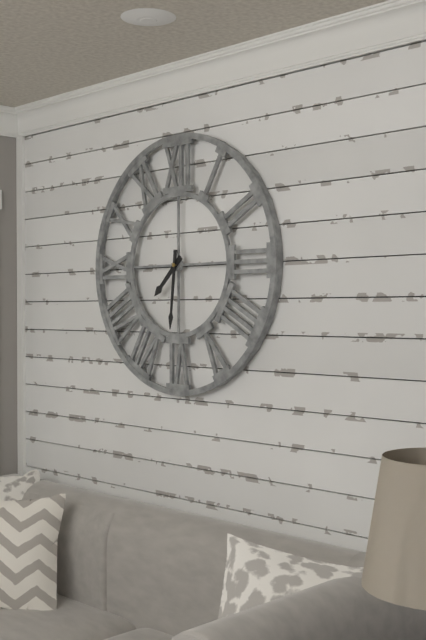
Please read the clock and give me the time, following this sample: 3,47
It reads 7,31
